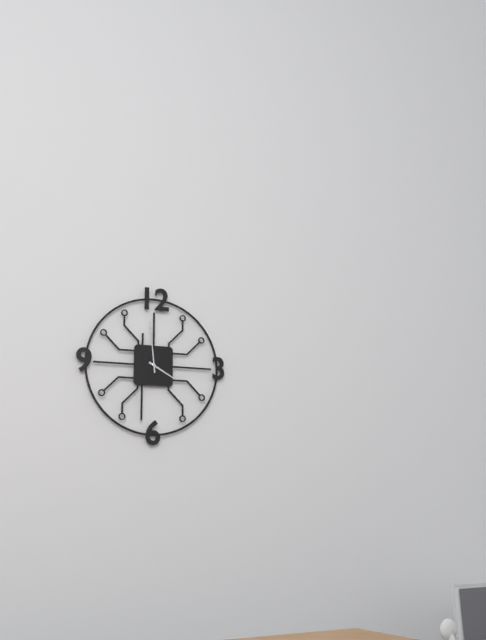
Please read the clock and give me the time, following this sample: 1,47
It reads 3,59
